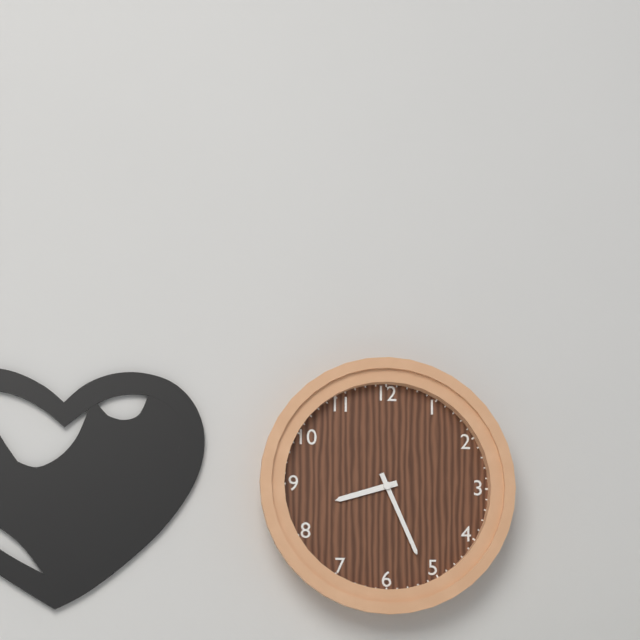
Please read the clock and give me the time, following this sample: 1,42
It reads 8,26
